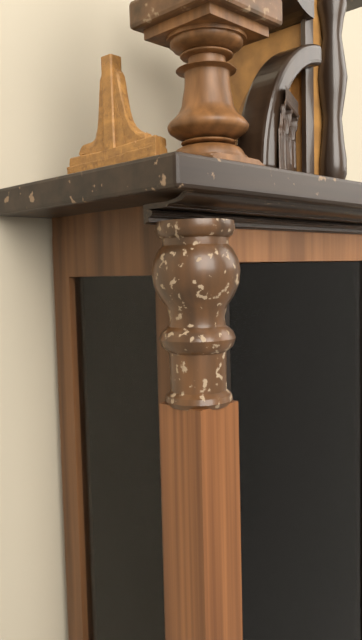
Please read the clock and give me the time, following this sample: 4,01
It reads 8,30
